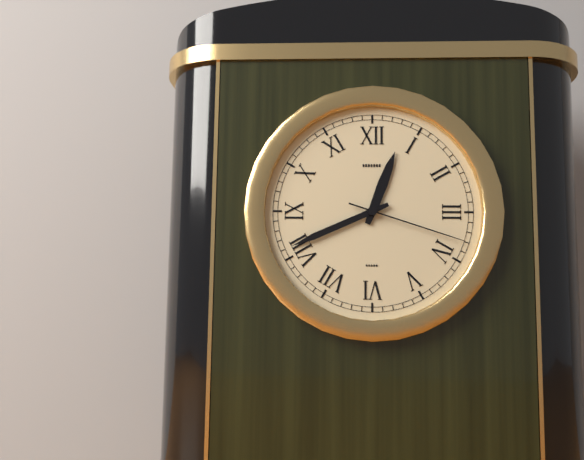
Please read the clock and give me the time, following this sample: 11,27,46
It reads 12,41,18
